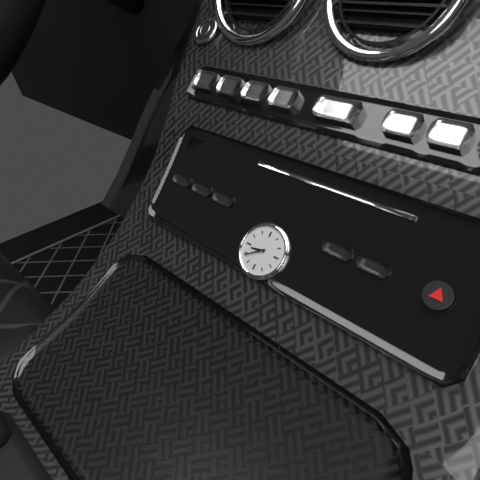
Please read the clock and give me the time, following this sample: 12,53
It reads 8,39
